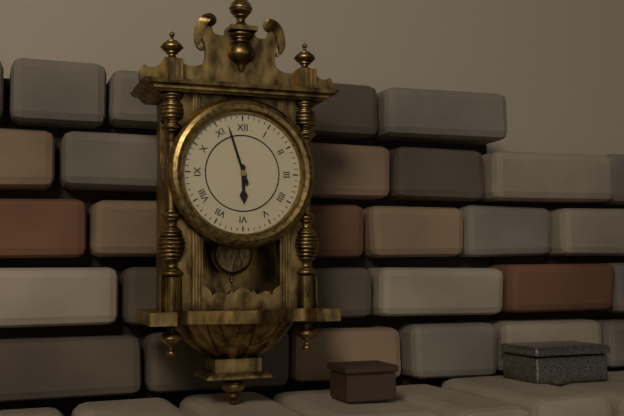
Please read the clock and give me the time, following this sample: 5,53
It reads 5,57
